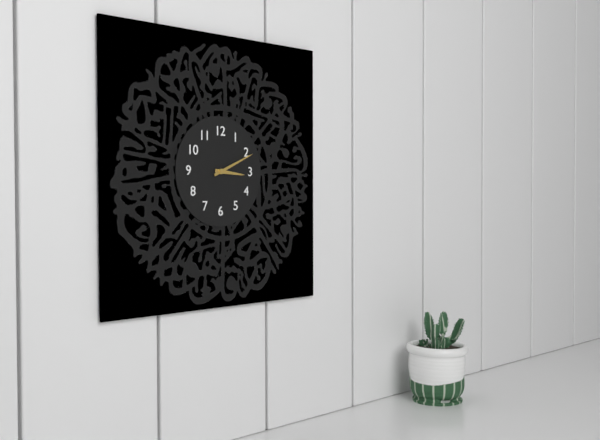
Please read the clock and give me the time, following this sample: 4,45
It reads 3,11
